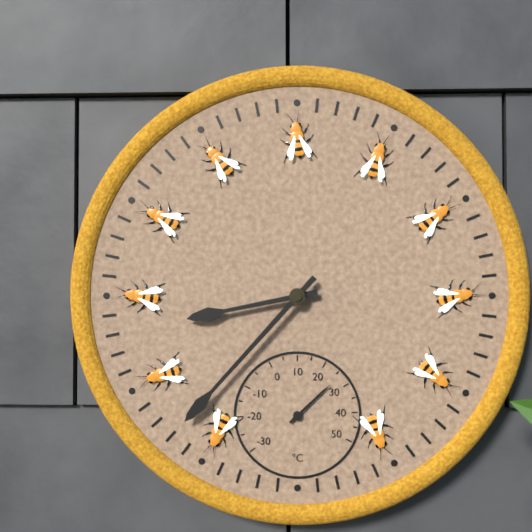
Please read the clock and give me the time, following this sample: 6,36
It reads 8,37
